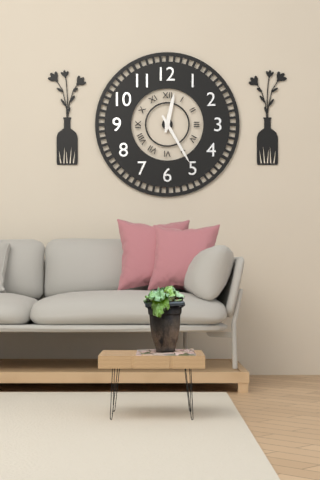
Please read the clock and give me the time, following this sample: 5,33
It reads 12,25
